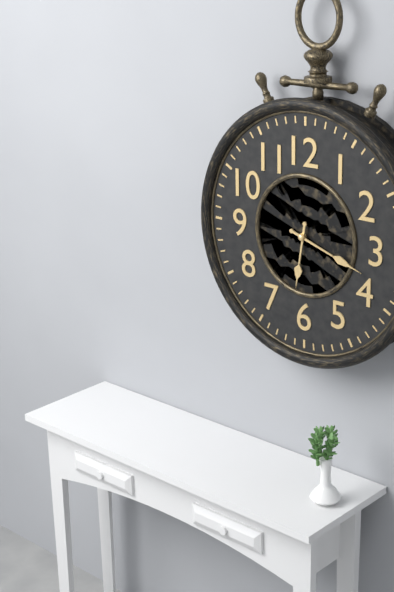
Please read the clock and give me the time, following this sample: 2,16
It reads 6,18
